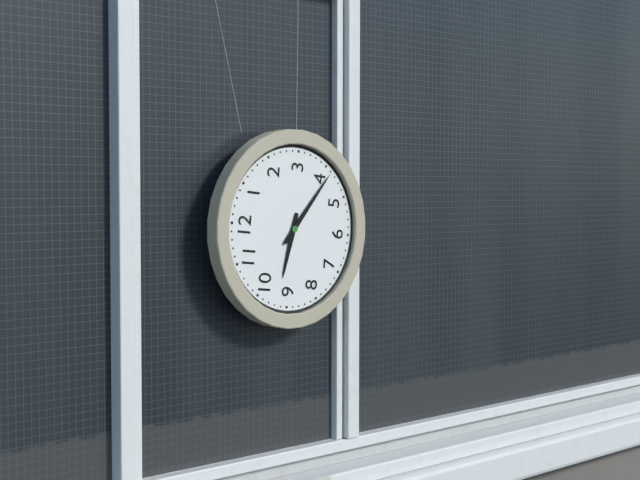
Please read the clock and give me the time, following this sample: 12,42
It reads 9,21
